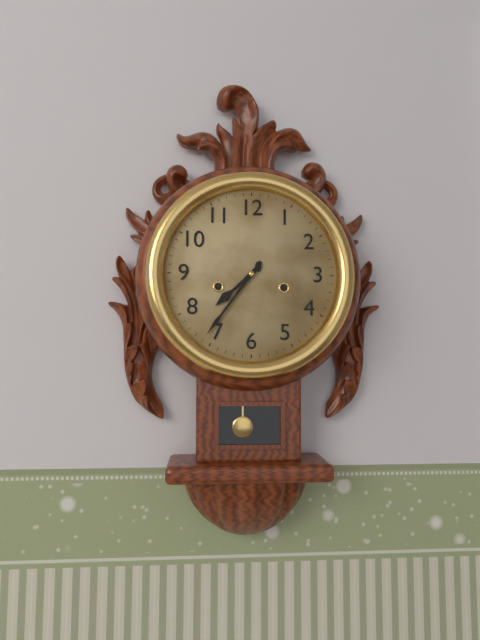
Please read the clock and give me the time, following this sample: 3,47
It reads 7,36
